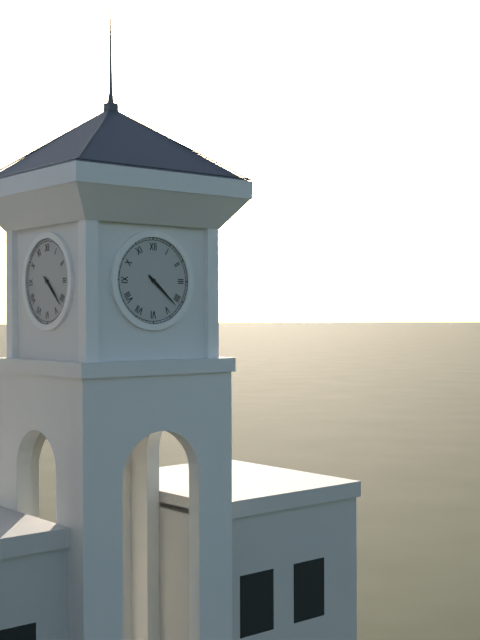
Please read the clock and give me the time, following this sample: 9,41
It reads 4,22
